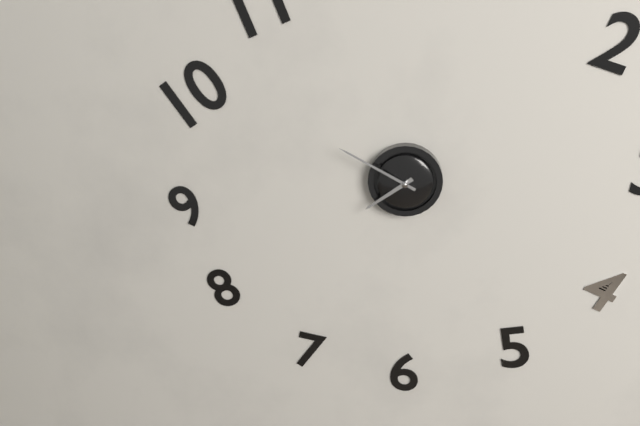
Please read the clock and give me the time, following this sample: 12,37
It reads 7,50
